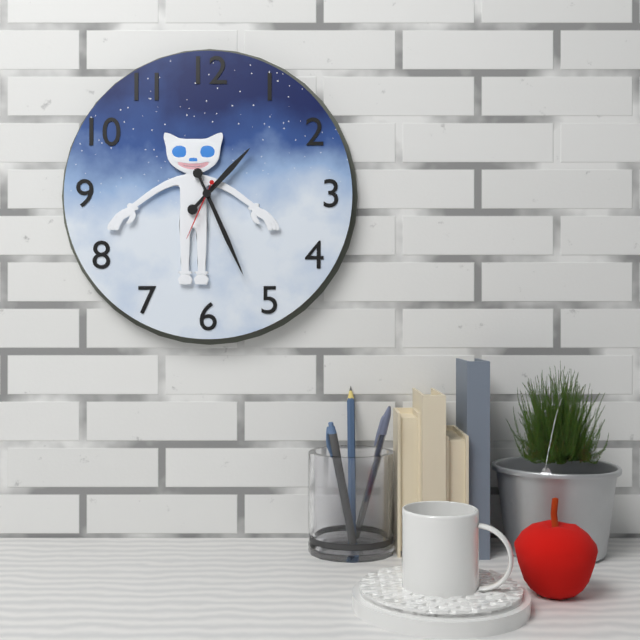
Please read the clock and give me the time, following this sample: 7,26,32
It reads 1,26,34
